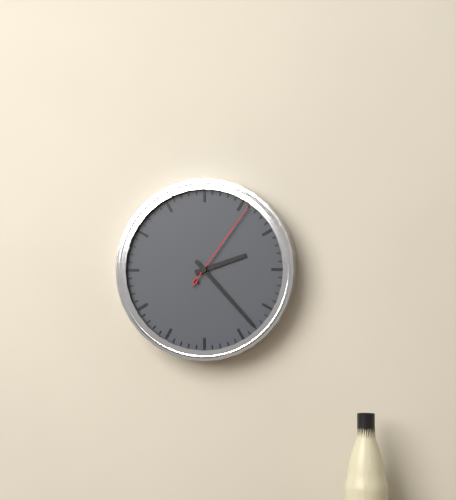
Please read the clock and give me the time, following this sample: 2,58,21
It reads 2,23,06
